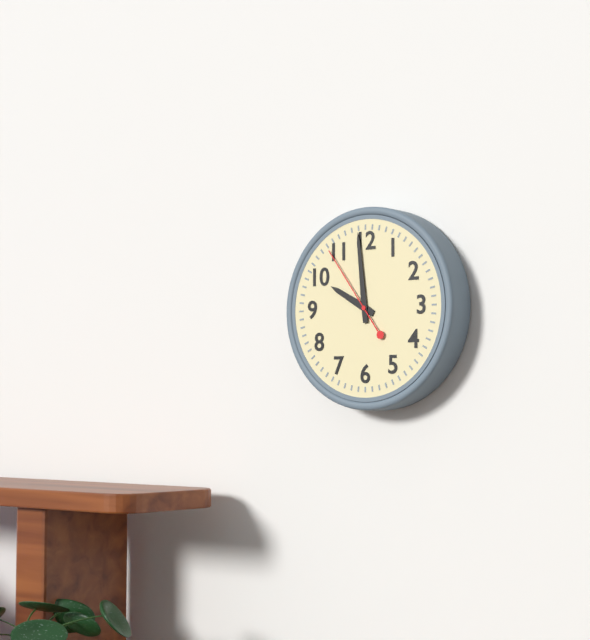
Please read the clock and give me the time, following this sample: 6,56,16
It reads 9,59,54
